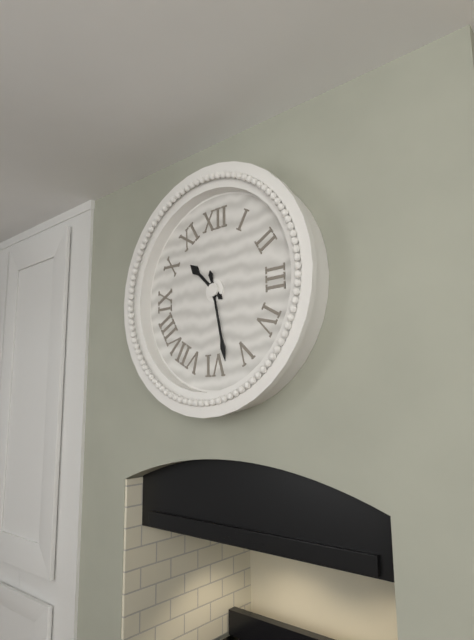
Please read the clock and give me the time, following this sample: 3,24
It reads 10,28
